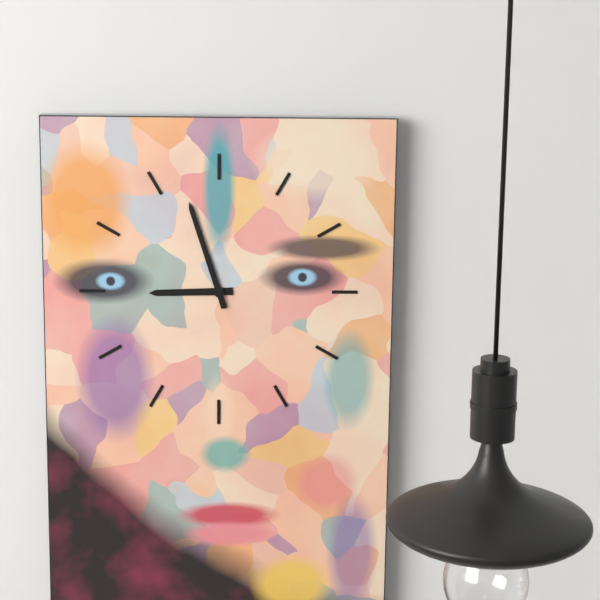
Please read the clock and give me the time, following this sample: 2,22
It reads 8,57
